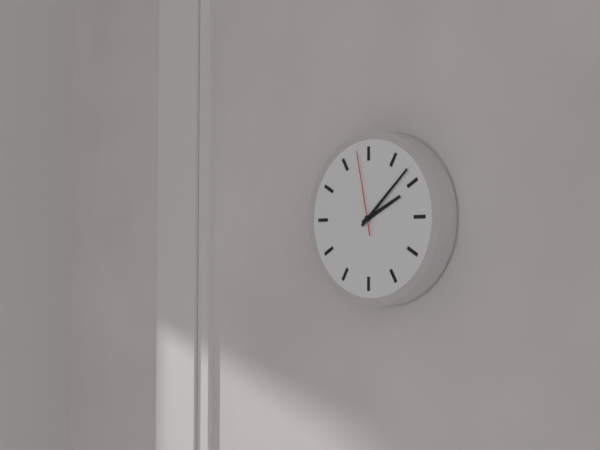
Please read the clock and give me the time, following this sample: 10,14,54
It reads 2,08,58
